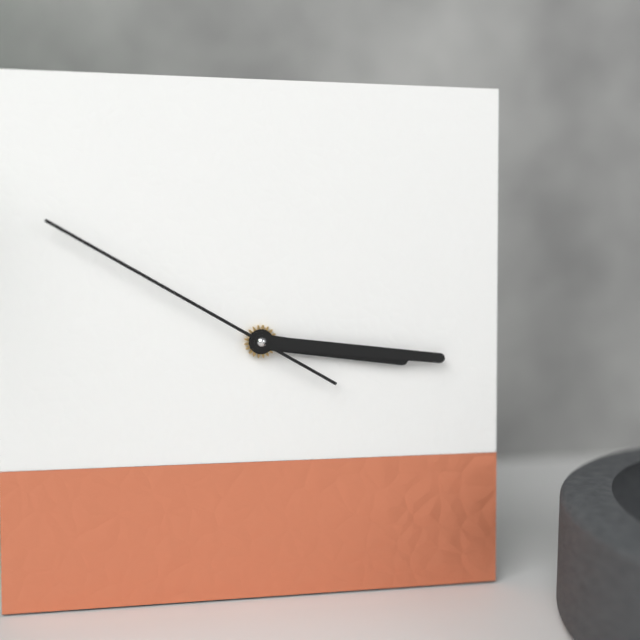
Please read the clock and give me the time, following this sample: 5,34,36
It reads 3,16,50
